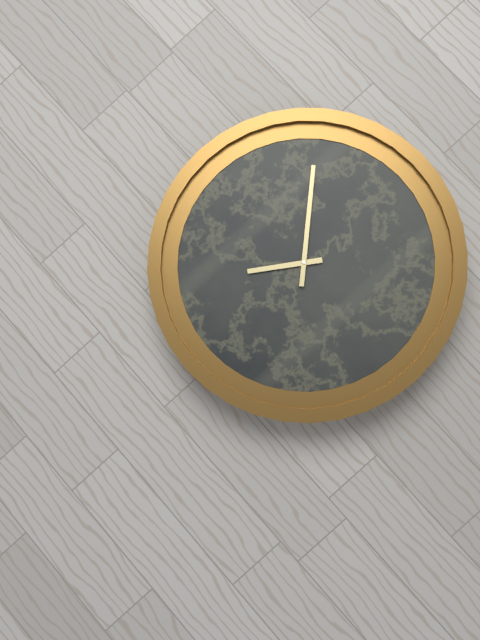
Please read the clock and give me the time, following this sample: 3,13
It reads 10,08
